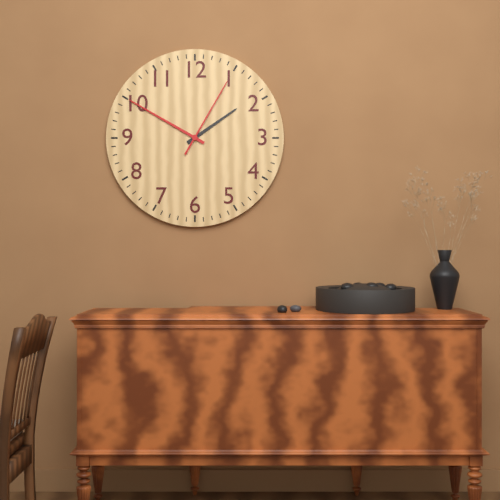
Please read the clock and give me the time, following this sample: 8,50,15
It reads 1,50,05
